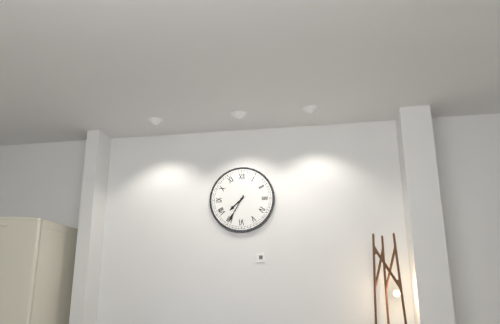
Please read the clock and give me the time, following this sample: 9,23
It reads 7,35
